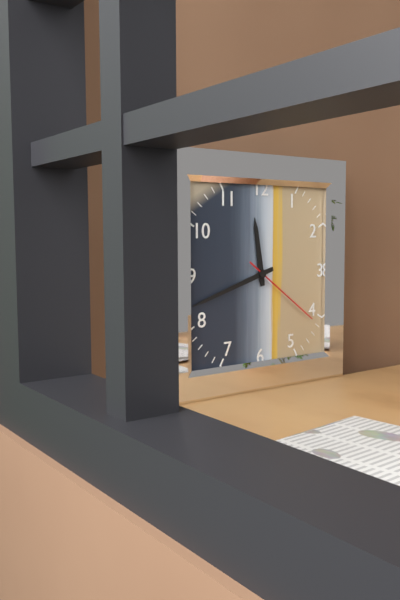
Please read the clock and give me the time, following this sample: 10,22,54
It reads 11,42,21
